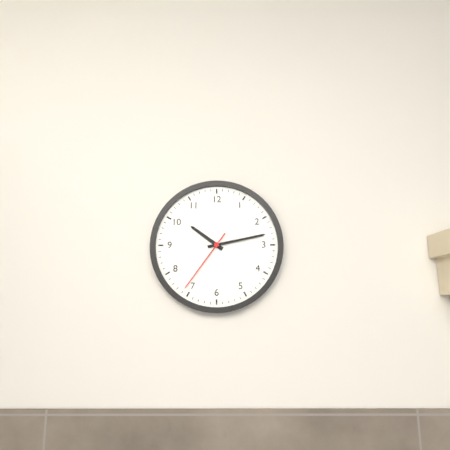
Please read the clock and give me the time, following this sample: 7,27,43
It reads 10,13,36
